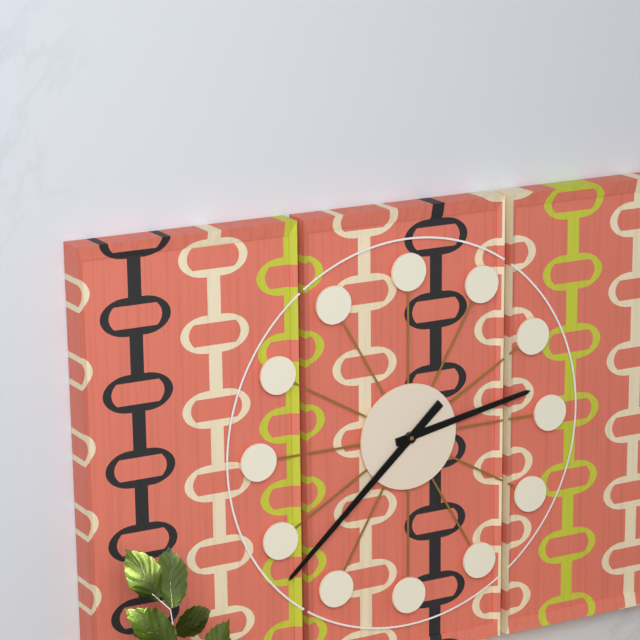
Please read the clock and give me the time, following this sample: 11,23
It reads 2,38
